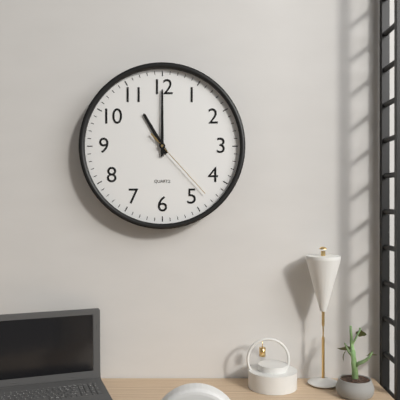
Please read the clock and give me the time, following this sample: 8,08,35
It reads 11,00,23
